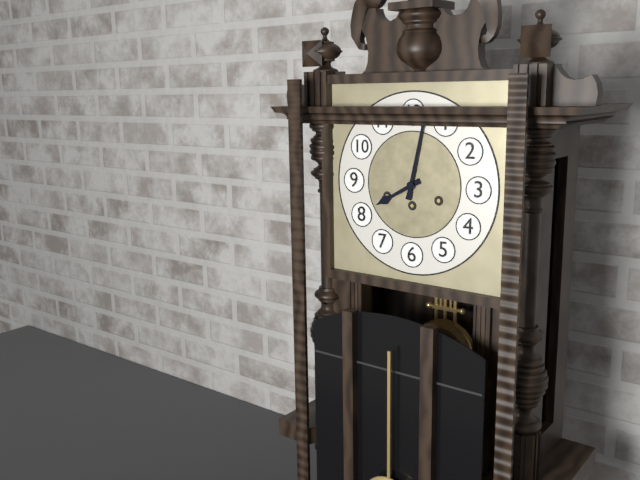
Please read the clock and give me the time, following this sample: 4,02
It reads 8,02
